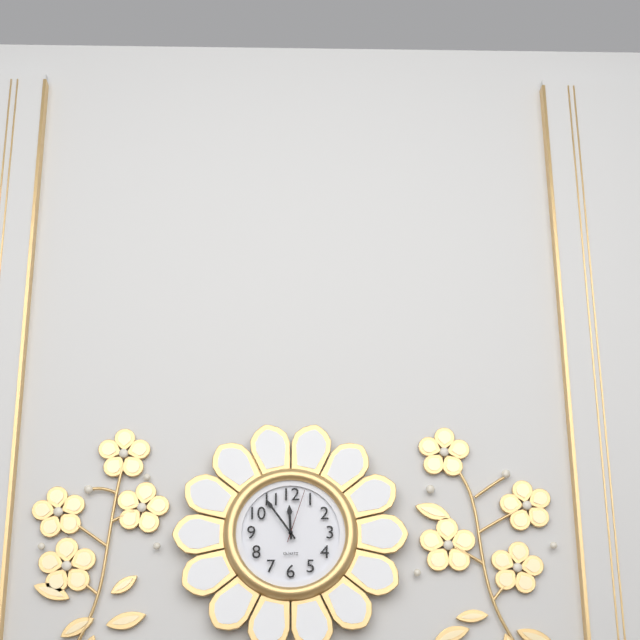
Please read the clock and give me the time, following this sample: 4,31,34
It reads 11,54,03
